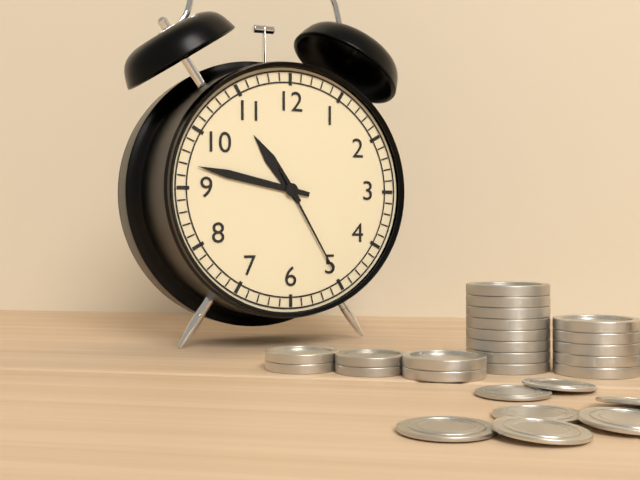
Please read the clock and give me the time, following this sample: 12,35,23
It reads 10,47,25
